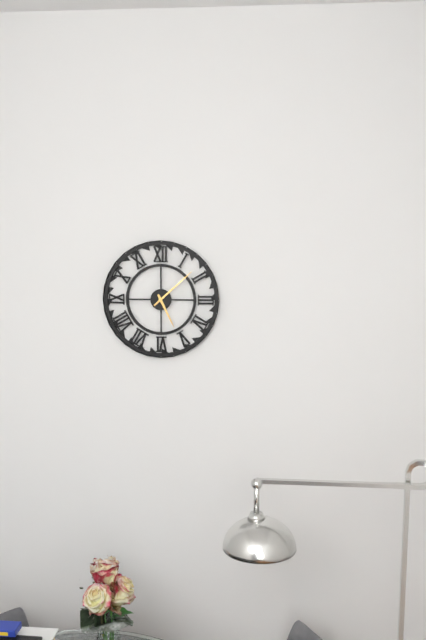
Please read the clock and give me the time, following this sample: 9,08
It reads 5,08
